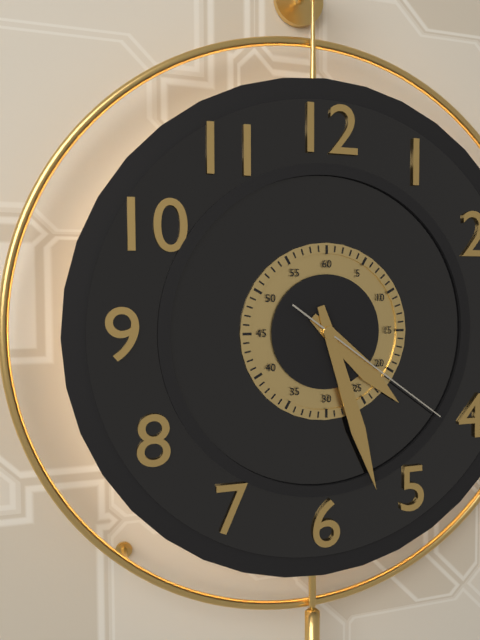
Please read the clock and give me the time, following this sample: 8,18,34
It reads 4,27,21
